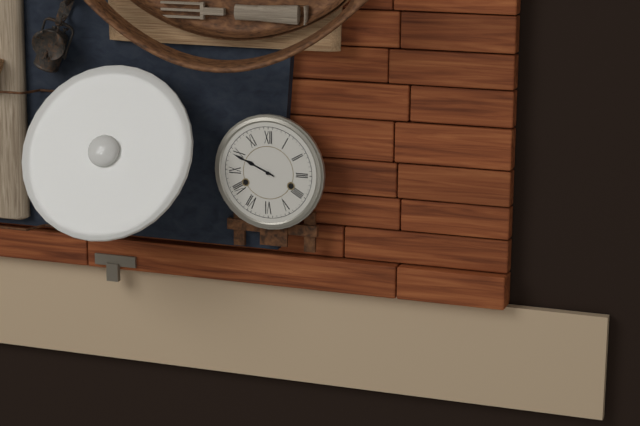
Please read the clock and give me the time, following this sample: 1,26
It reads 9,49
